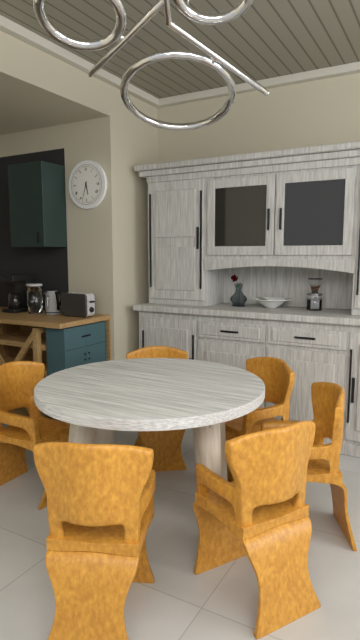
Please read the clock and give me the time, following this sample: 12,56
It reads 5,33
